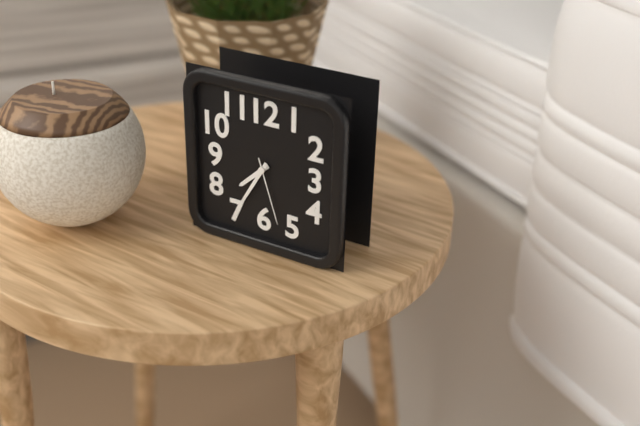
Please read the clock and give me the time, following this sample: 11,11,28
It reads 7,35,27
